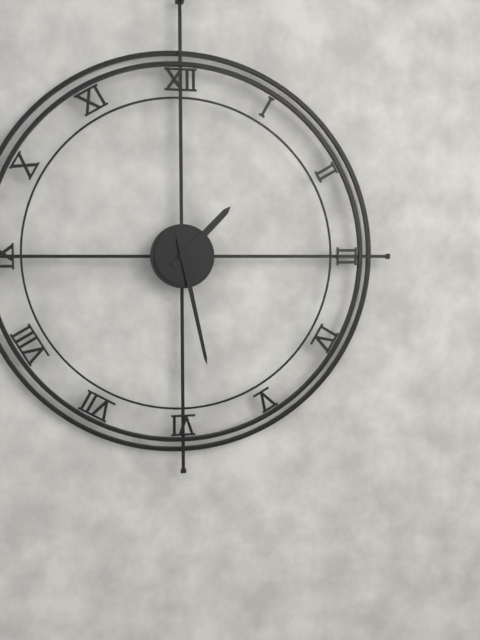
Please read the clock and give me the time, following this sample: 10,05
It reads 1,28
